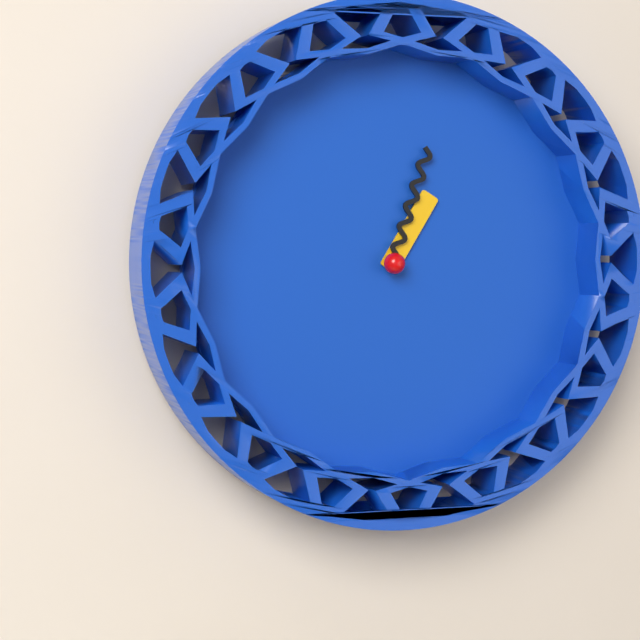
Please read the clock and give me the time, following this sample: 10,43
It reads 1,03
